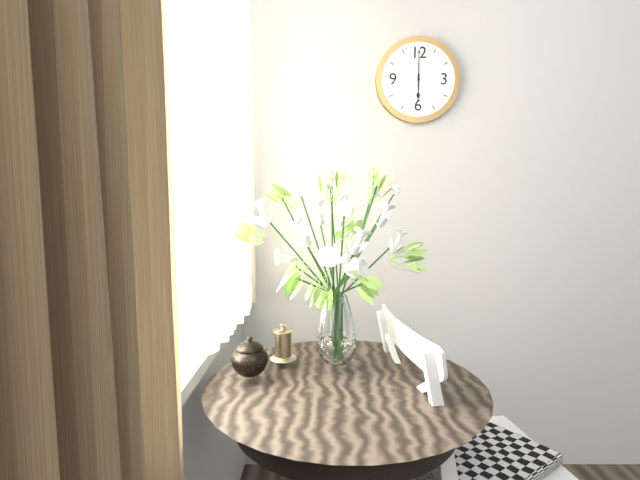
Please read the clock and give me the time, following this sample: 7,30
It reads 6,00
